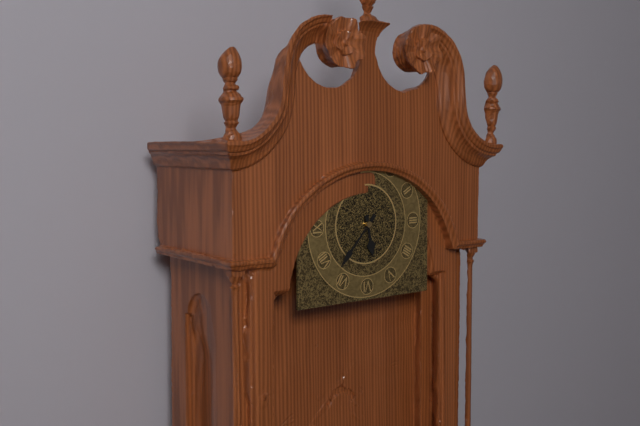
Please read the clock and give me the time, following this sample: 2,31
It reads 5,37
